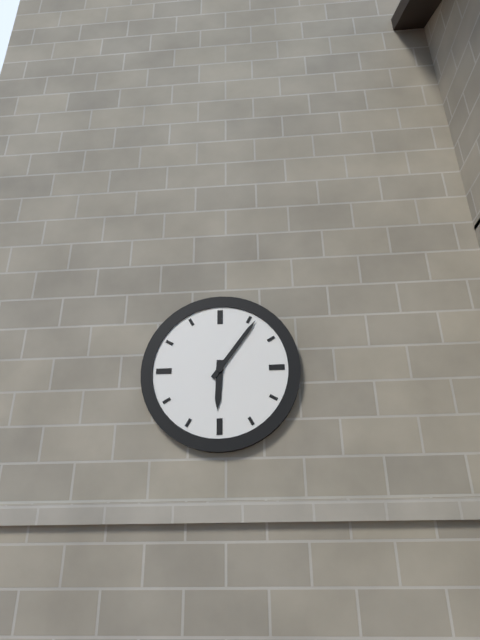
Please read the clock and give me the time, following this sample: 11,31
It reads 6,06
